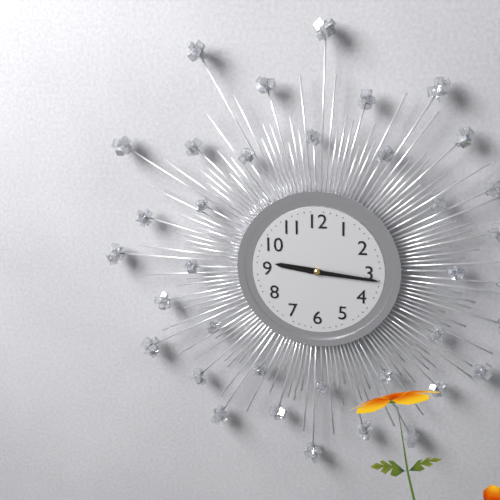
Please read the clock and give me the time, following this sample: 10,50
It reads 9,16
